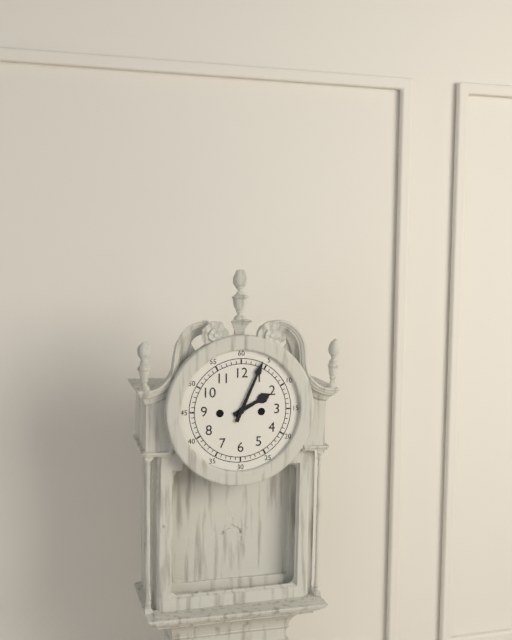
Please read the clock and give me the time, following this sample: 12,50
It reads 2,04
